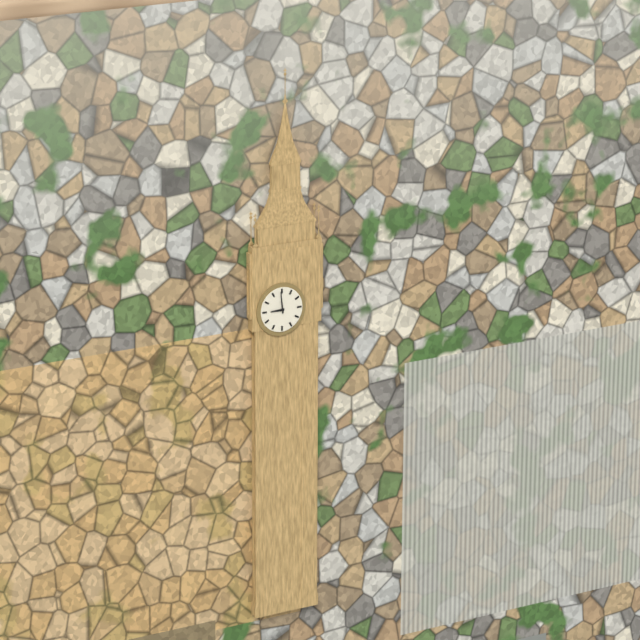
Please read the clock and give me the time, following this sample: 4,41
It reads 8,59
